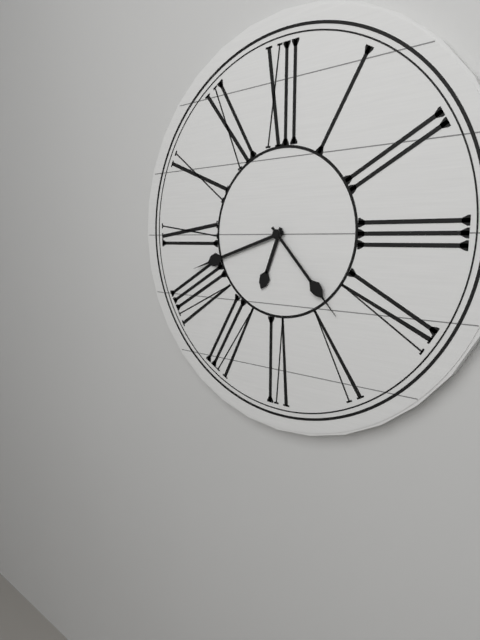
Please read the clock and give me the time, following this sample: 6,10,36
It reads 6,42,23
